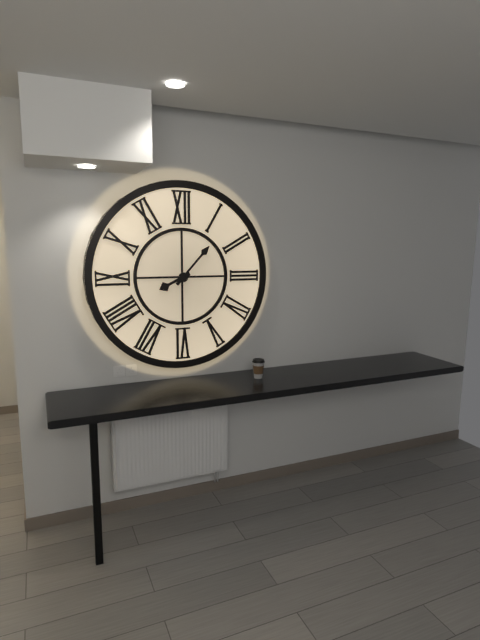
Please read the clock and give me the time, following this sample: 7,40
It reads 8,07
